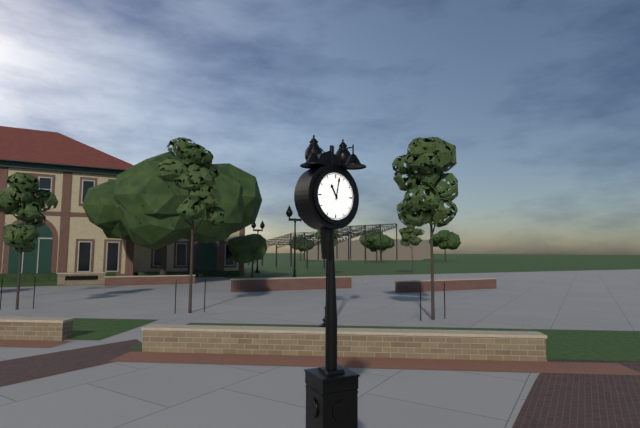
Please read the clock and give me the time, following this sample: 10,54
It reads 11,02
